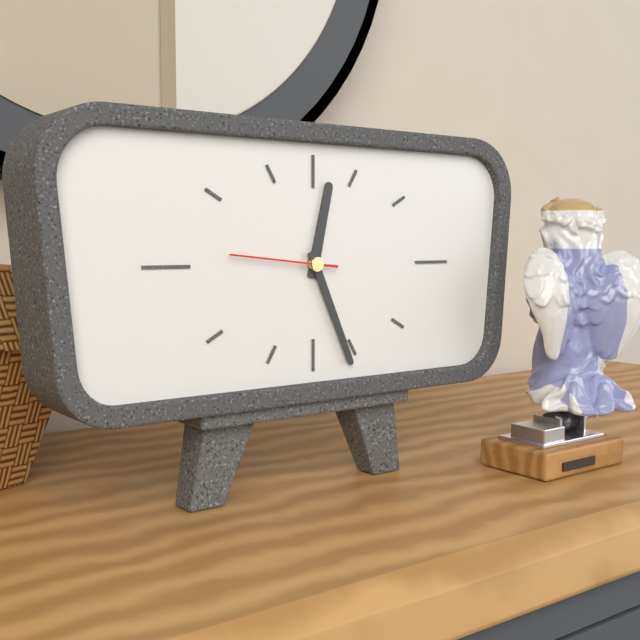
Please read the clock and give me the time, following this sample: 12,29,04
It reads 12,26,46
